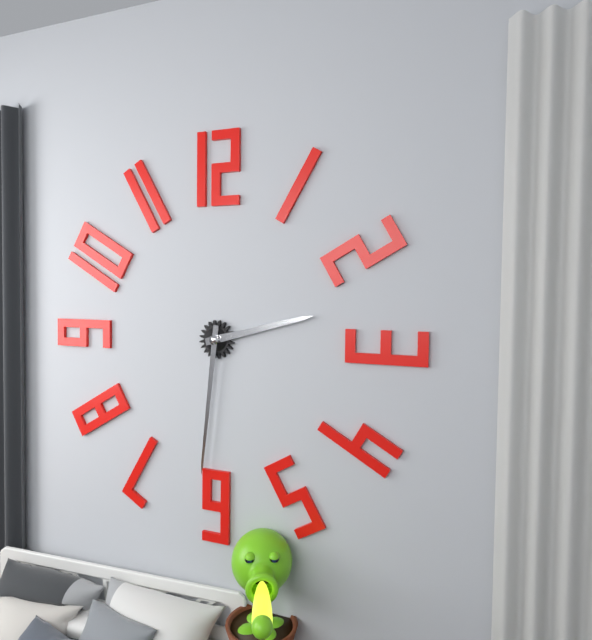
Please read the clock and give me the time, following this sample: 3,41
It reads 2,31
